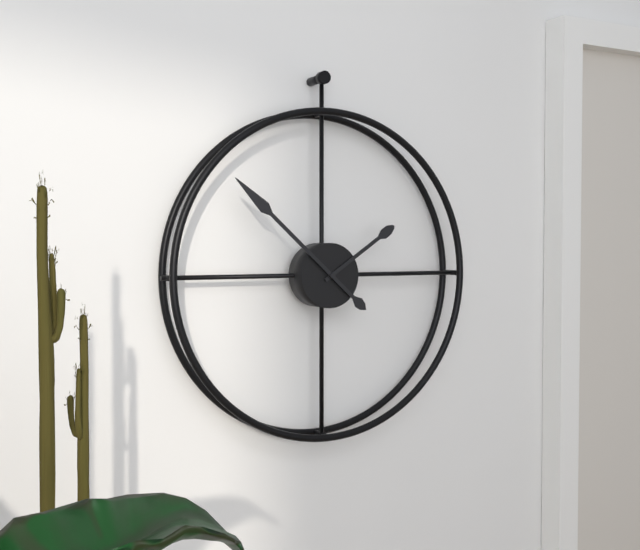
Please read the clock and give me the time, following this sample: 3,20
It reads 1,52
